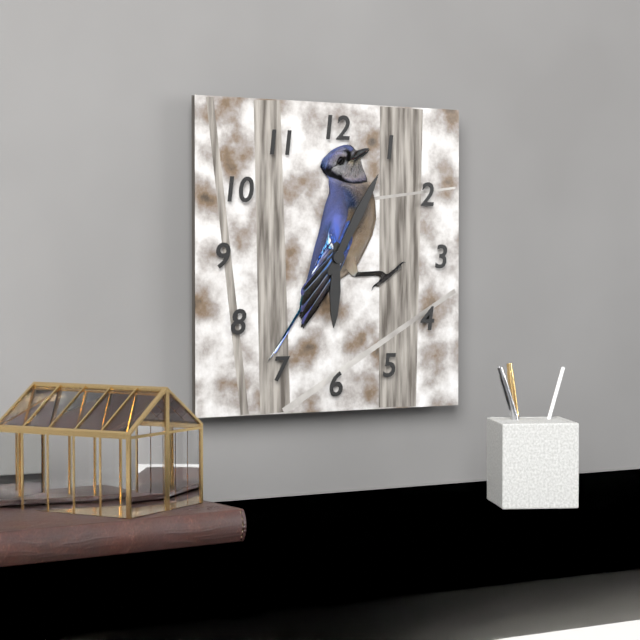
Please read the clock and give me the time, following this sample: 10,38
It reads 6,05
